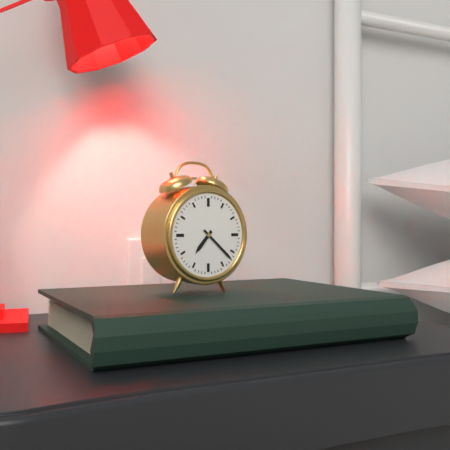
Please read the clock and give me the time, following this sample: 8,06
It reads 7,22
